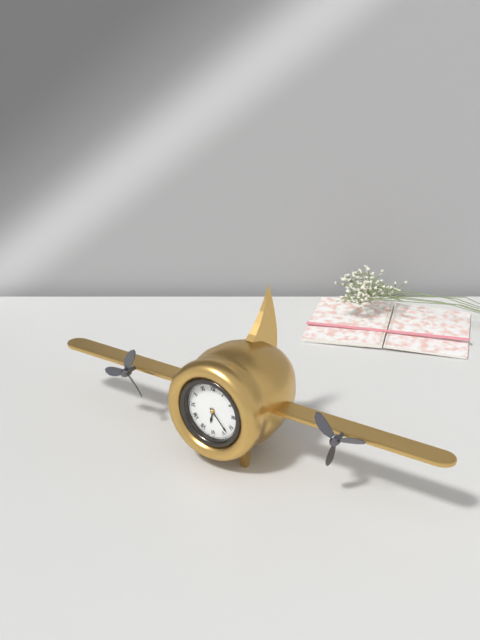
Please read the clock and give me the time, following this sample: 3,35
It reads 6,23
